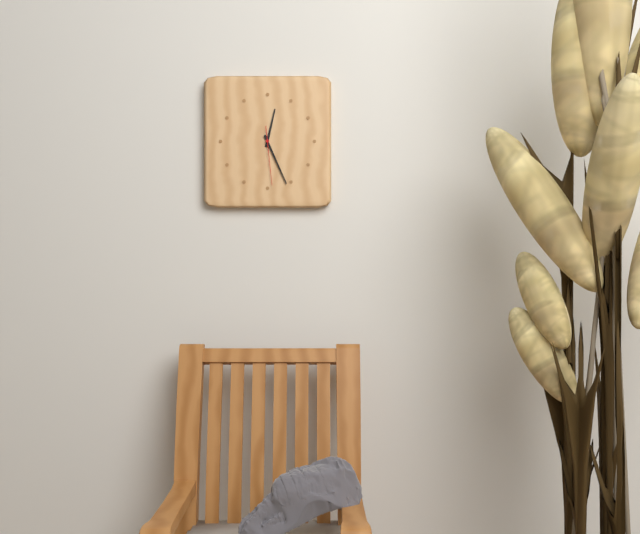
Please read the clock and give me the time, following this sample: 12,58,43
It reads 12,26,29
